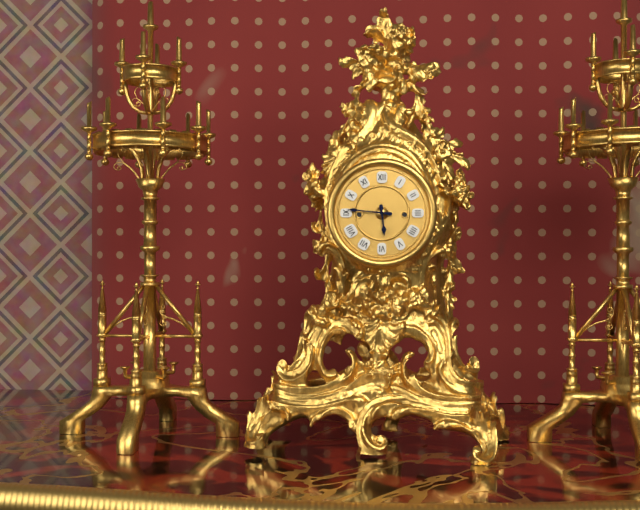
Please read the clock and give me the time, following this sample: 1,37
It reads 5,46
